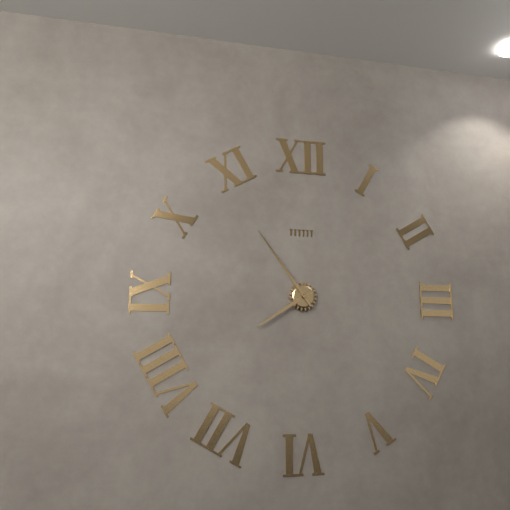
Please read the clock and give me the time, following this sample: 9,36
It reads 7,54
